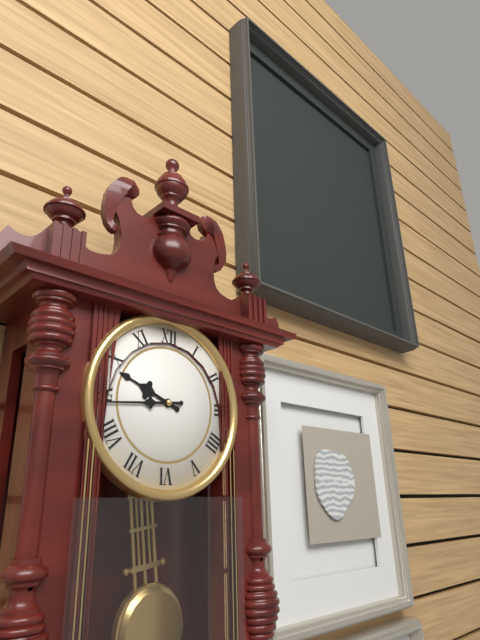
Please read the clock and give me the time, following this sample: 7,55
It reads 9,44
